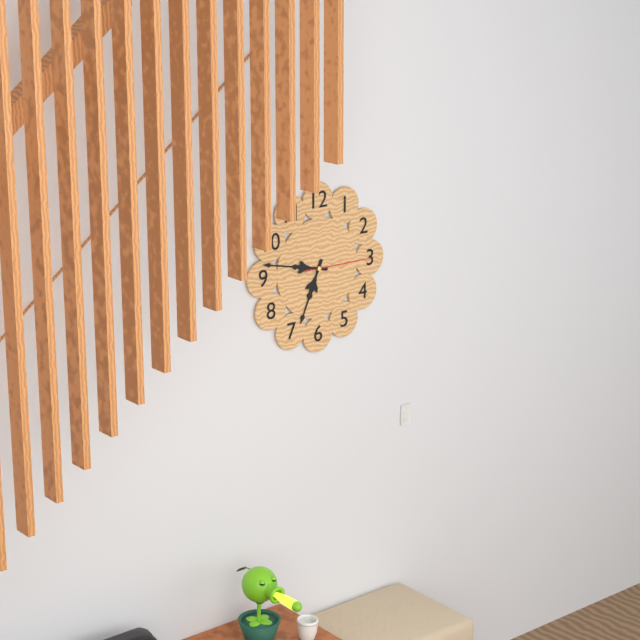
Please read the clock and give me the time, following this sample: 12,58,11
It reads 6,47,15
